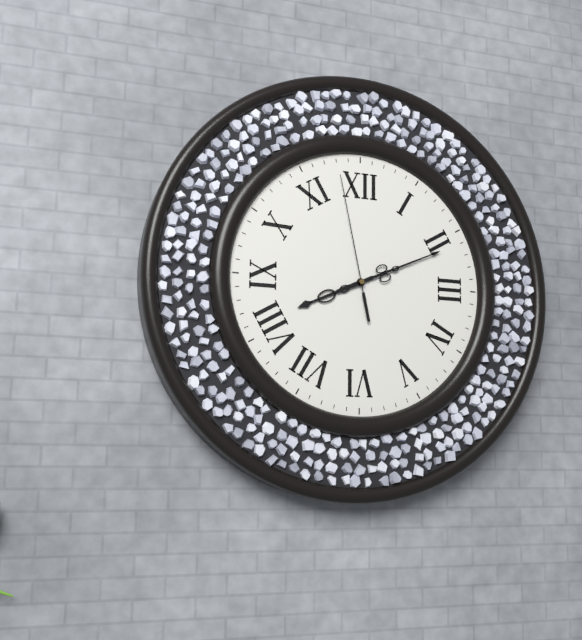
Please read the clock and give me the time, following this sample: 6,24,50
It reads 8,11,58
